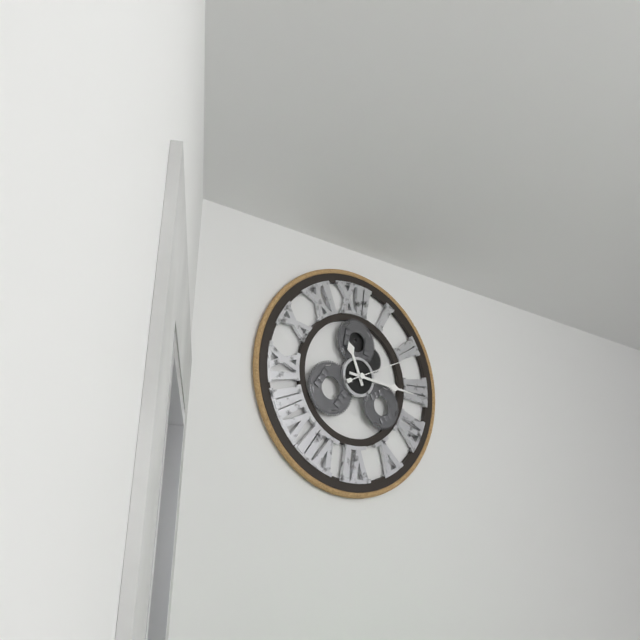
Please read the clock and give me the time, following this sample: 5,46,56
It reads 11,16,11
